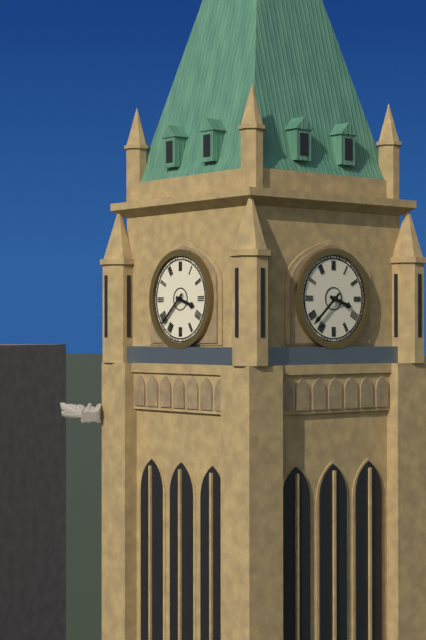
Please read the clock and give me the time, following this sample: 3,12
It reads 3,38
